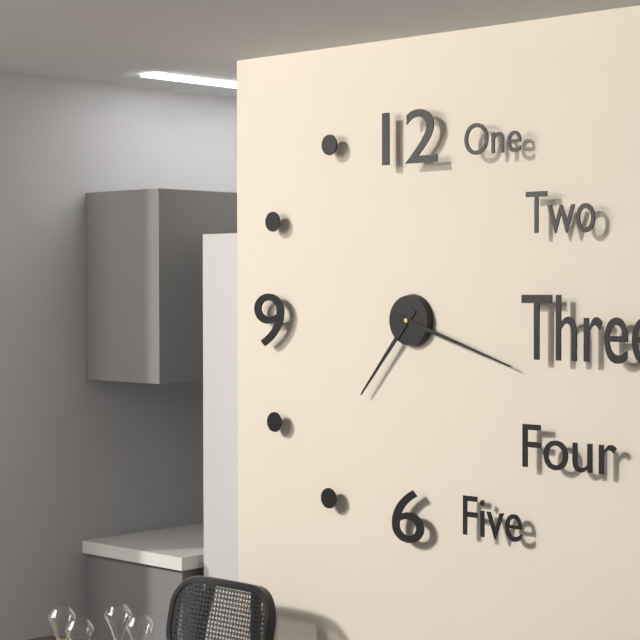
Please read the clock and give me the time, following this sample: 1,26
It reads 7,18
